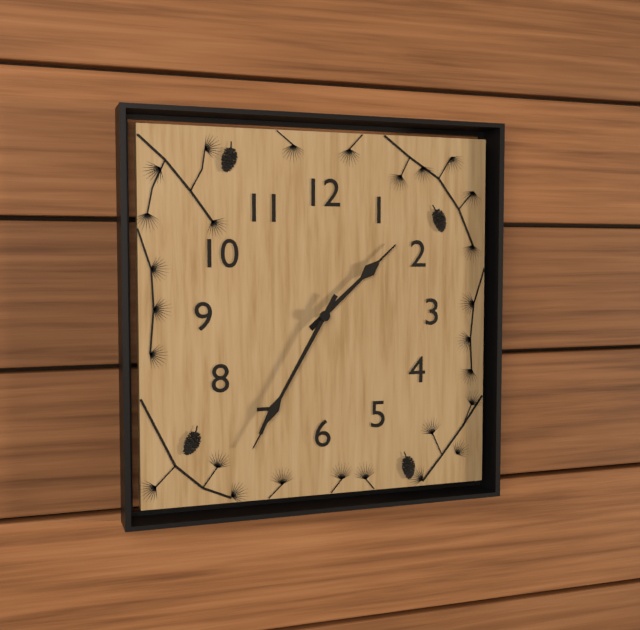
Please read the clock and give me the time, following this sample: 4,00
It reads 1,35
